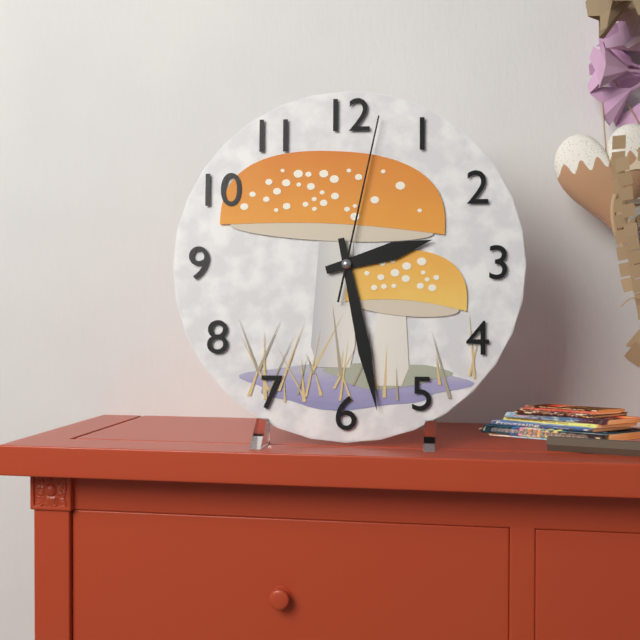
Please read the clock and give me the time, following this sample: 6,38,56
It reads 2,28,02
